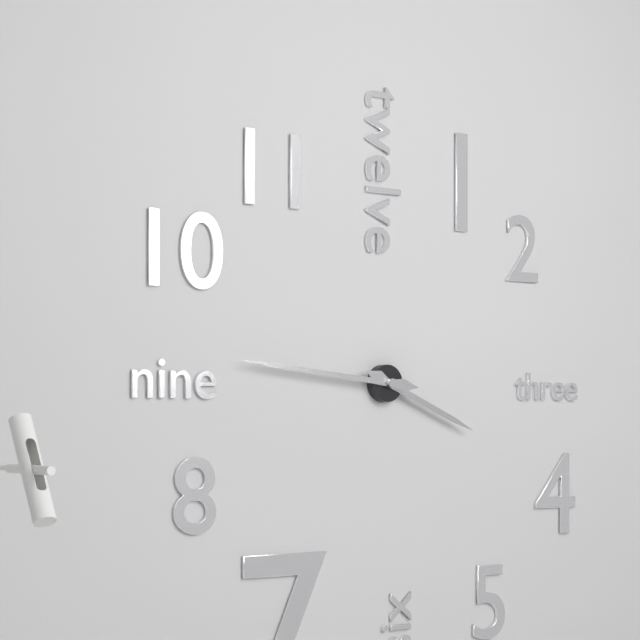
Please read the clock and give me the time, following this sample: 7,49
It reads 3,46
